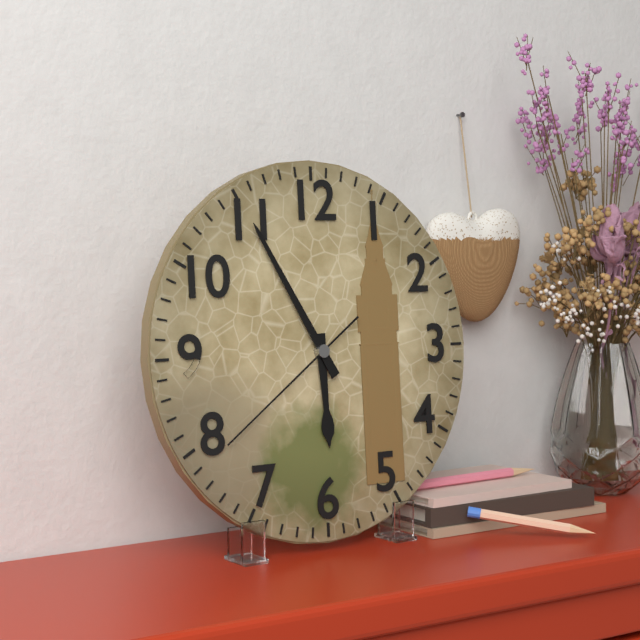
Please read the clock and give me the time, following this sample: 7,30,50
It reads 5,55,39
